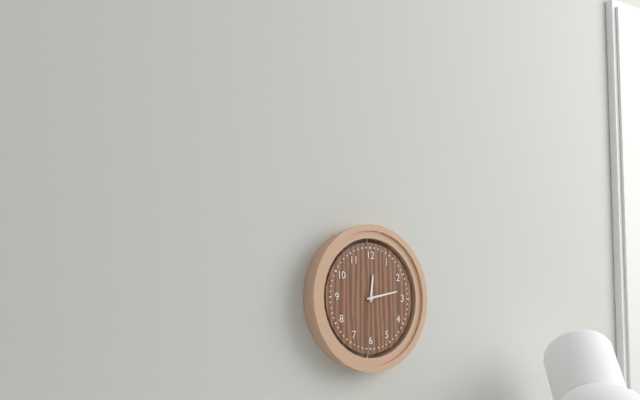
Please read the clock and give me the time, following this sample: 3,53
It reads 12,13
